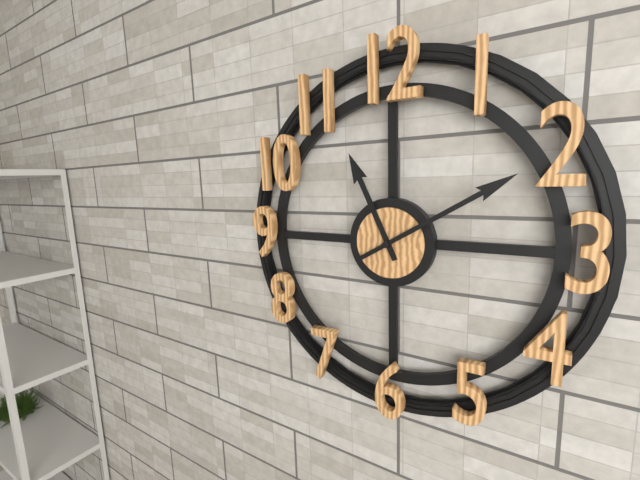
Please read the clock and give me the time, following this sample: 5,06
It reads 11,10
